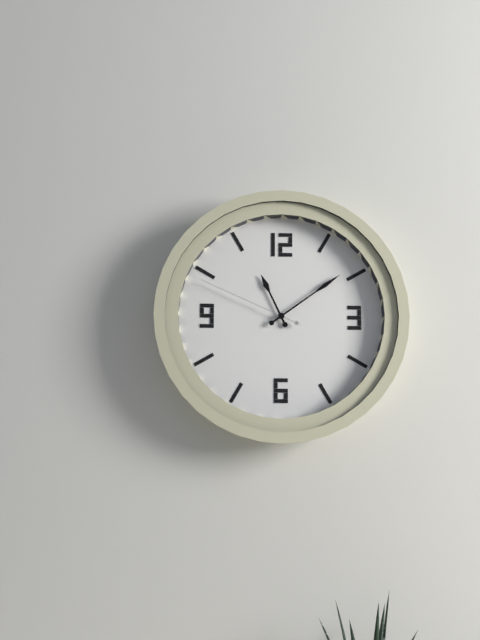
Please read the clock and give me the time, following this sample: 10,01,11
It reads 11,09,49
